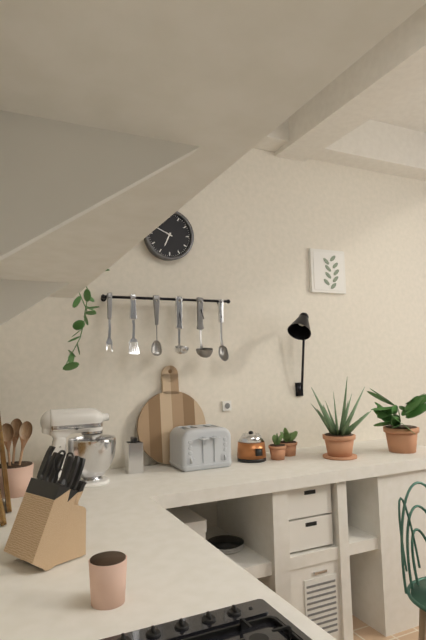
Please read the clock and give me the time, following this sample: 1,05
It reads 6,49
